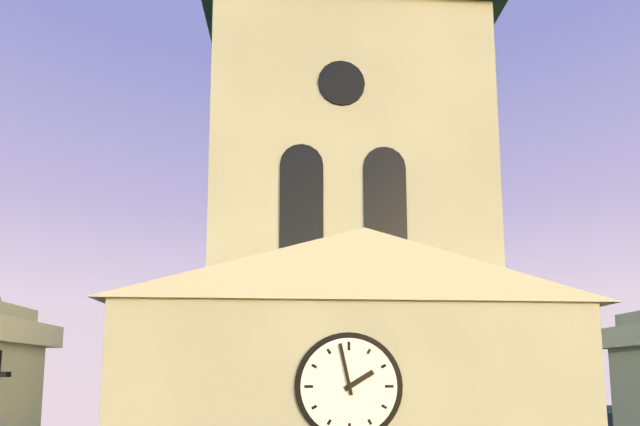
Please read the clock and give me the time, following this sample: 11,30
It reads 1,58
